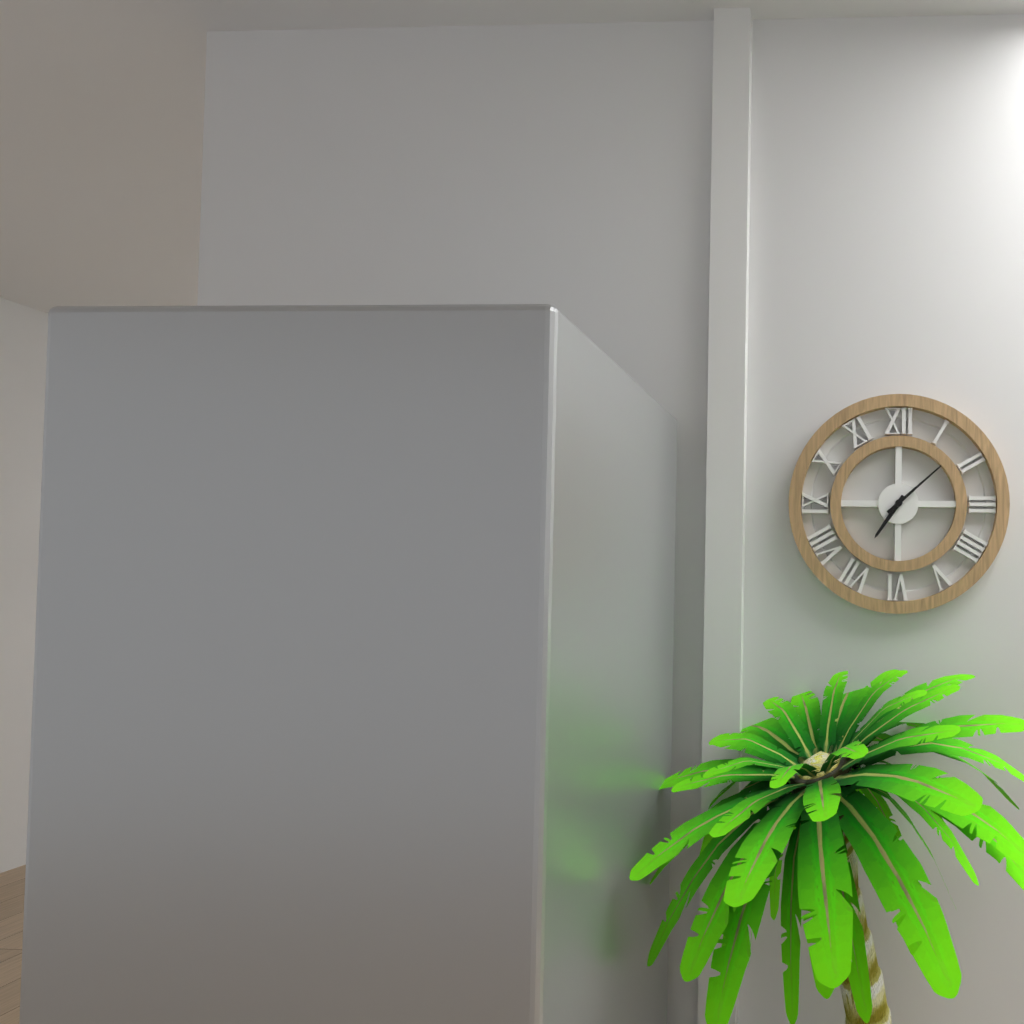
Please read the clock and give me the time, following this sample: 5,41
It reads 7,08
